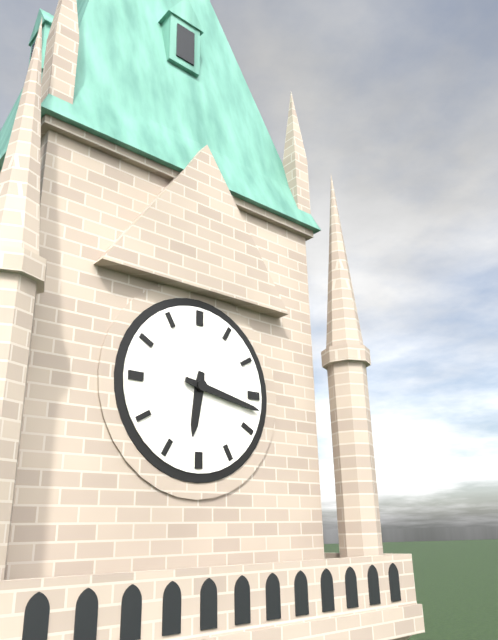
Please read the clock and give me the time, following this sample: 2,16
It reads 6,17
